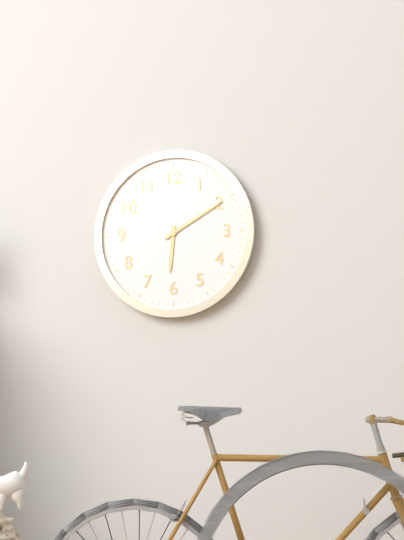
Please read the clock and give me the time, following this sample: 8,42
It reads 6,10
